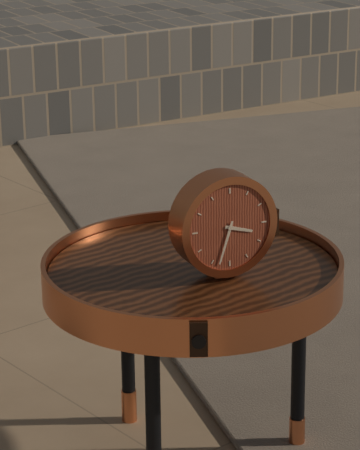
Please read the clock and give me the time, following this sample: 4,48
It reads 3,33
